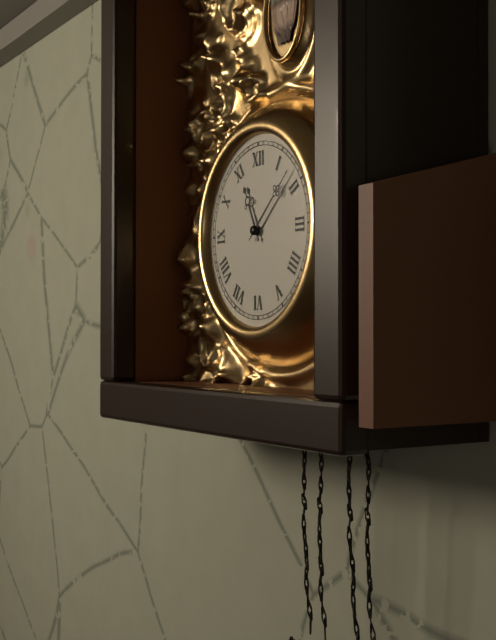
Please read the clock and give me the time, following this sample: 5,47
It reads 11,08
